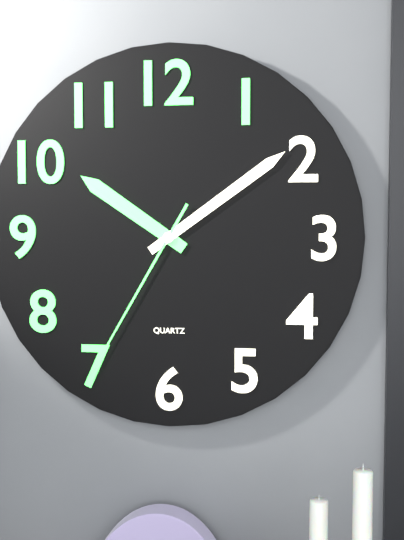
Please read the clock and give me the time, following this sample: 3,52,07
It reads 10,09,35
